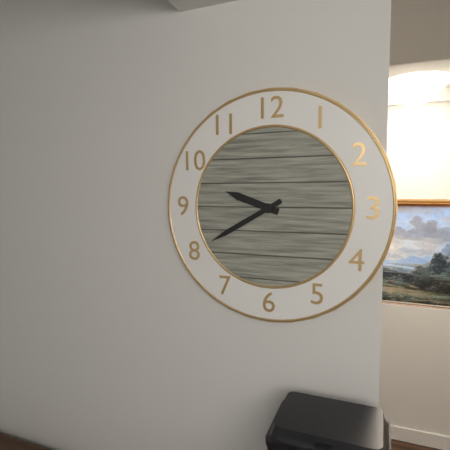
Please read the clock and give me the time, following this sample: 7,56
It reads 9,40
